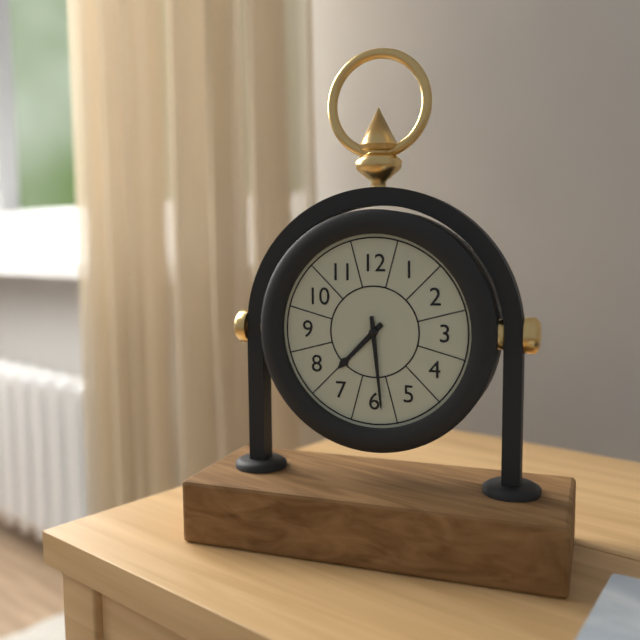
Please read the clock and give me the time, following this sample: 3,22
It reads 7,29
